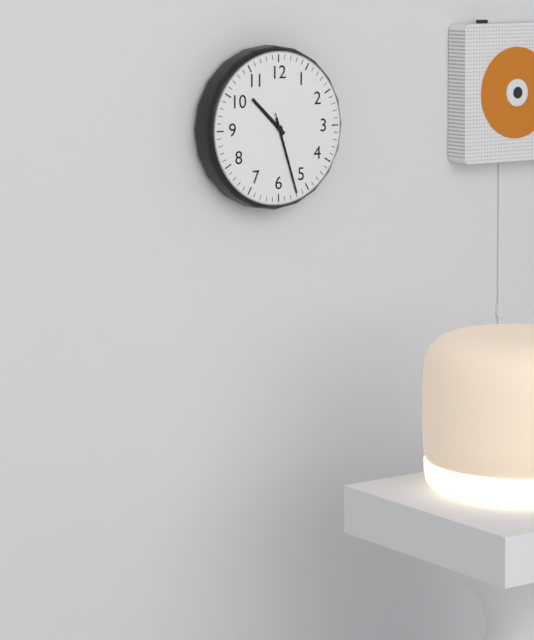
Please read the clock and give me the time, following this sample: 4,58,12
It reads 10,27,27
